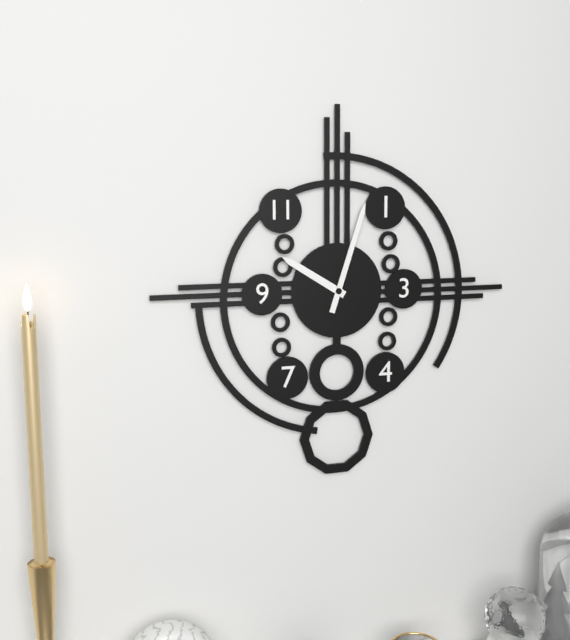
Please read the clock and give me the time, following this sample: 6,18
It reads 10,03
